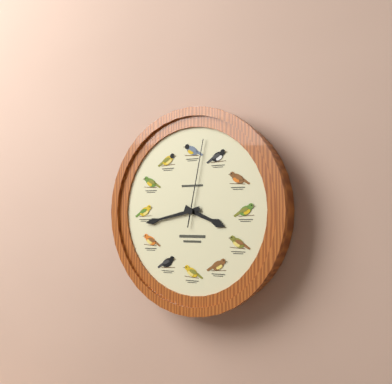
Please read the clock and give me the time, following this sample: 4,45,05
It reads 3,43,02
